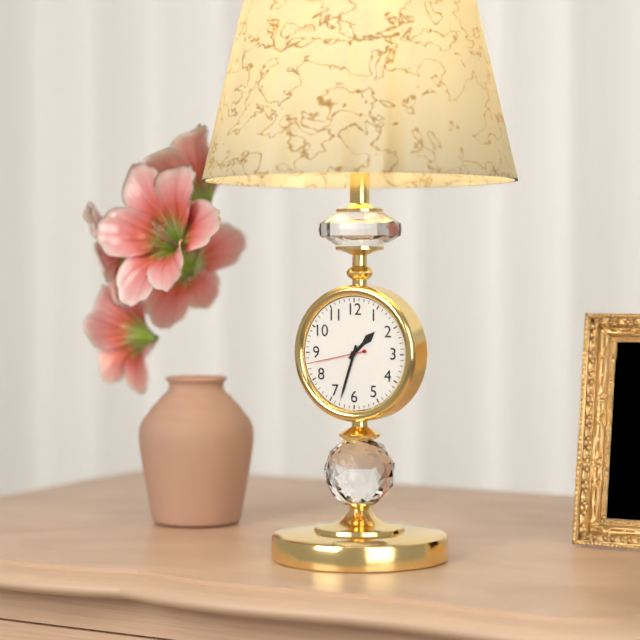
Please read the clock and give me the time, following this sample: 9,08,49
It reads 1,33,43
